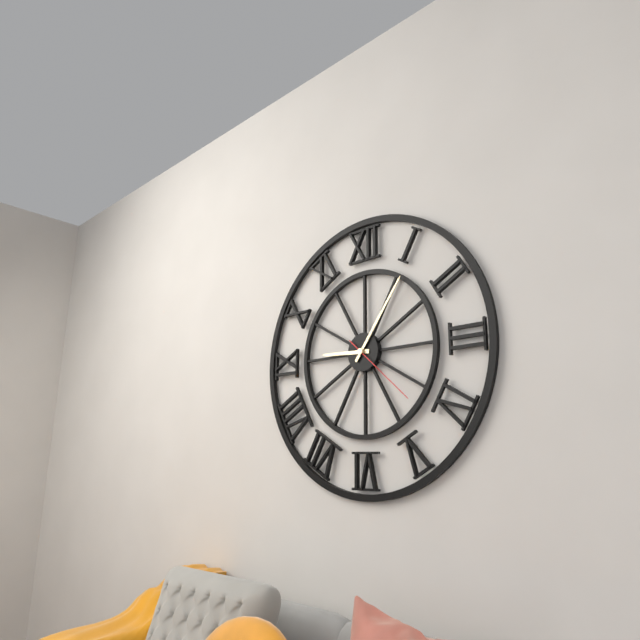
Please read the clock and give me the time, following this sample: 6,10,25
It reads 9,06,22
